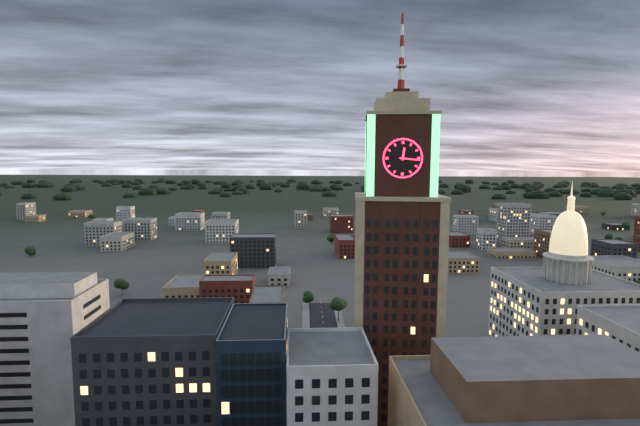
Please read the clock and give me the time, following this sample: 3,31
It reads 12,16
